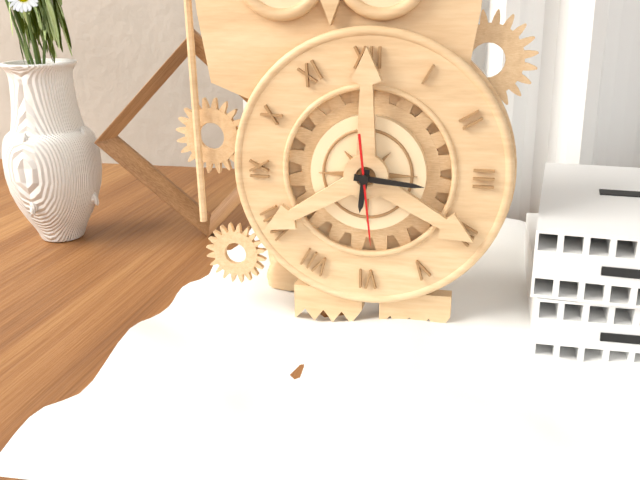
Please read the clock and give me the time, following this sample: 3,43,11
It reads 6,16,29
